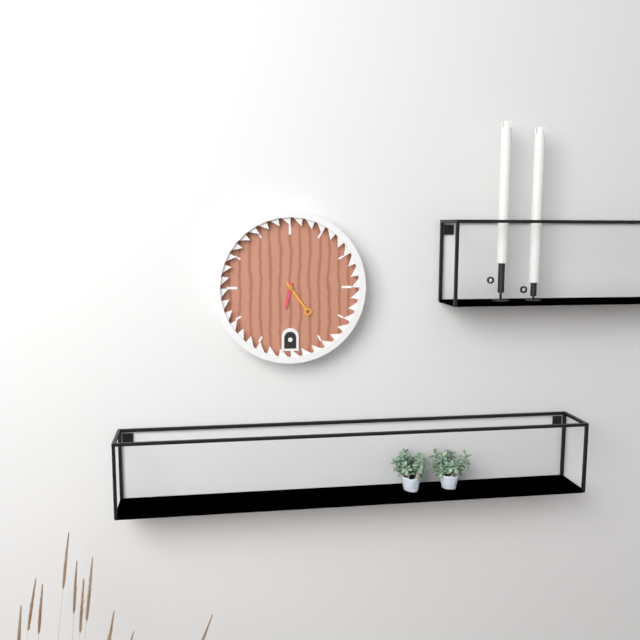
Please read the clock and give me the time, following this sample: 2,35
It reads 6,24
